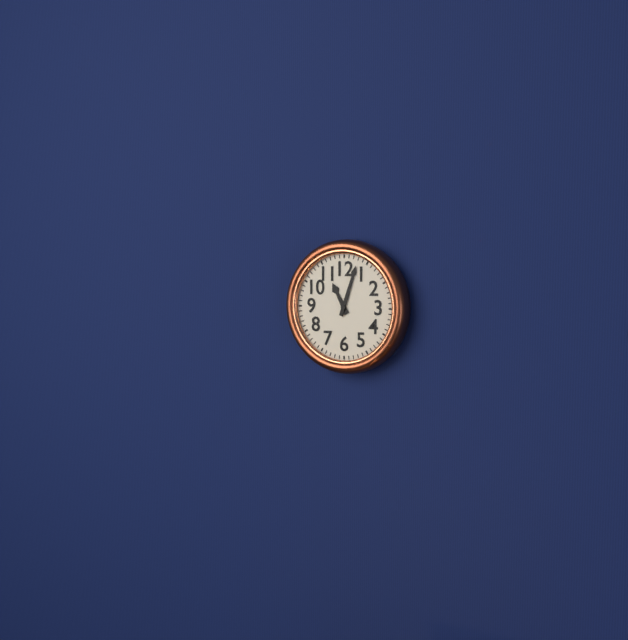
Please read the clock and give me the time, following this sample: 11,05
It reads 11,03
